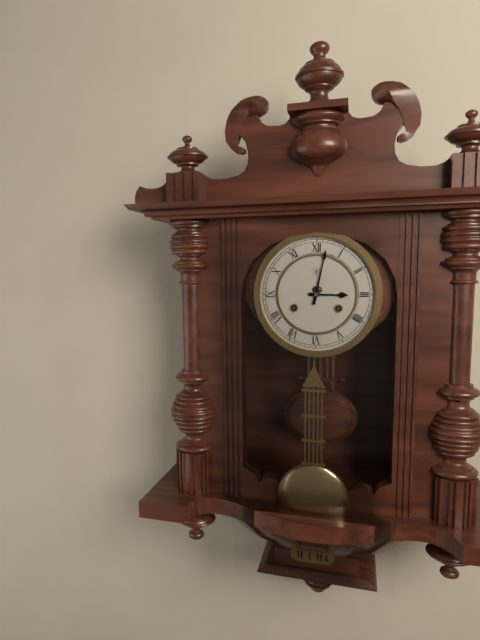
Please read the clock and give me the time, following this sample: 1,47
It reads 3,02
